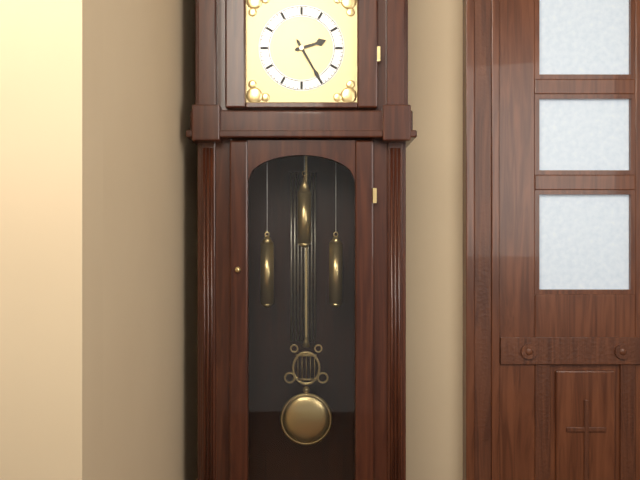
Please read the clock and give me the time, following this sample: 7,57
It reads 2,25
